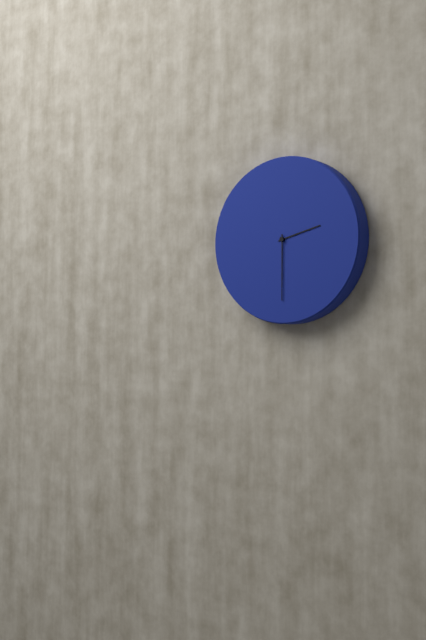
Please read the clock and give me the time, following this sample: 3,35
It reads 2,30
